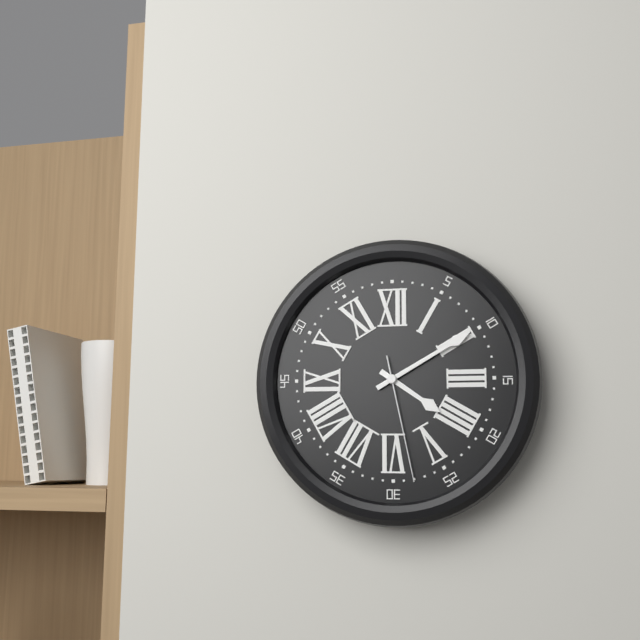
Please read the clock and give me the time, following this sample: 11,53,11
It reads 4,10,28
